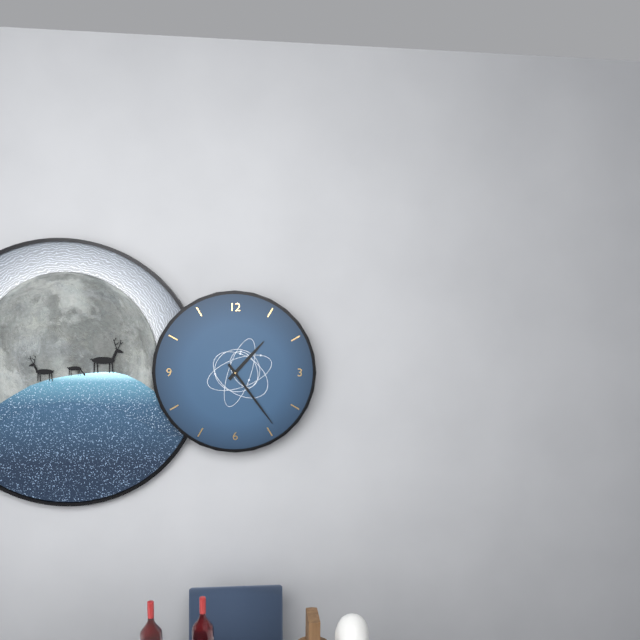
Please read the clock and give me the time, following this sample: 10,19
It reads 1,24
